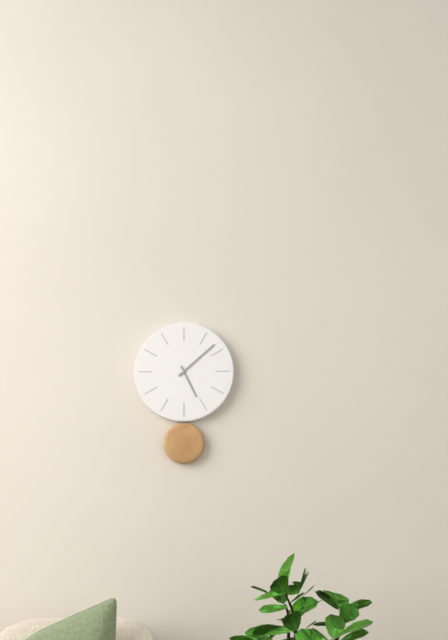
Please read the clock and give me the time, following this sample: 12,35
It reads 5,08
